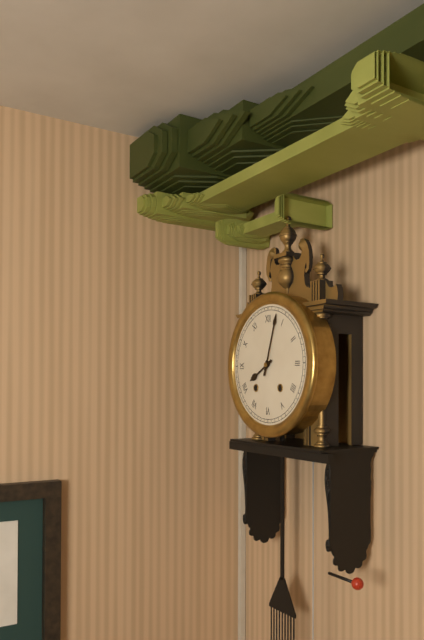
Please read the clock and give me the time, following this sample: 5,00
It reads 8,03
